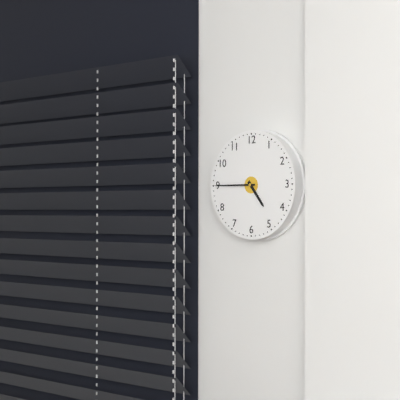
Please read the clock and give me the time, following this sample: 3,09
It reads 4,45
